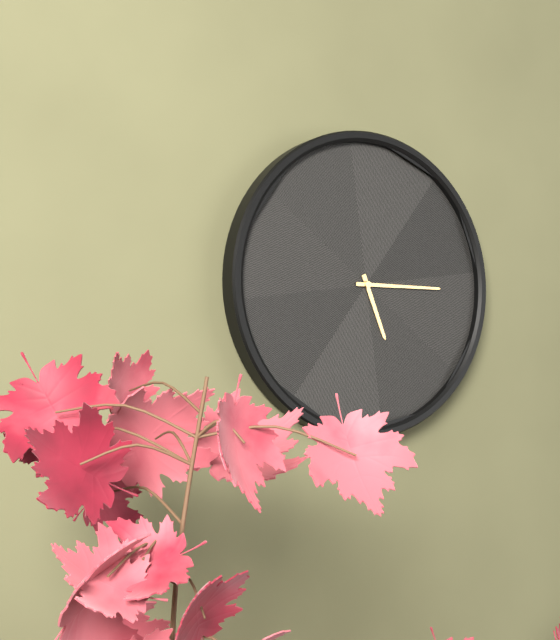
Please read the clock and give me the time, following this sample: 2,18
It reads 5,15
